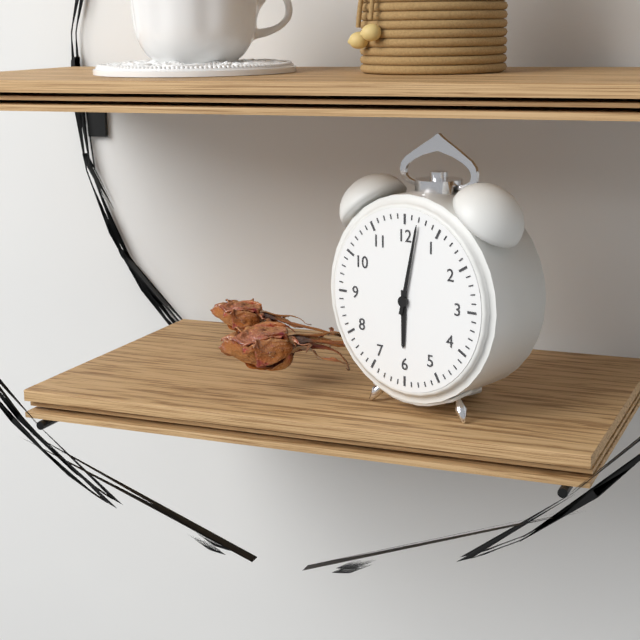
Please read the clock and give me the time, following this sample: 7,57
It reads 6,02
